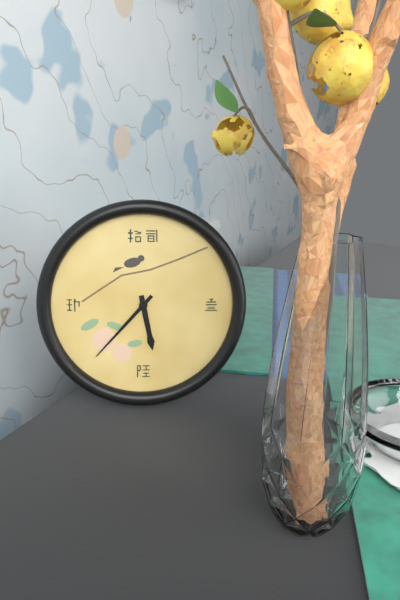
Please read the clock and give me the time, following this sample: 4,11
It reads 5,37
